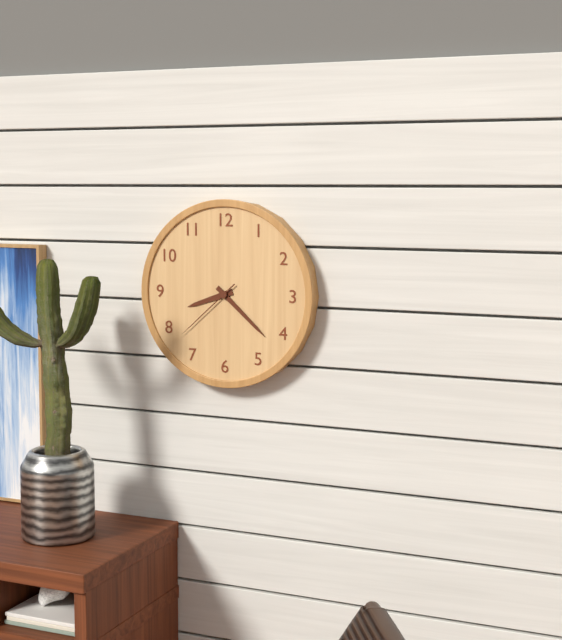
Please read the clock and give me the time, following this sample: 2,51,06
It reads 8,22,38
